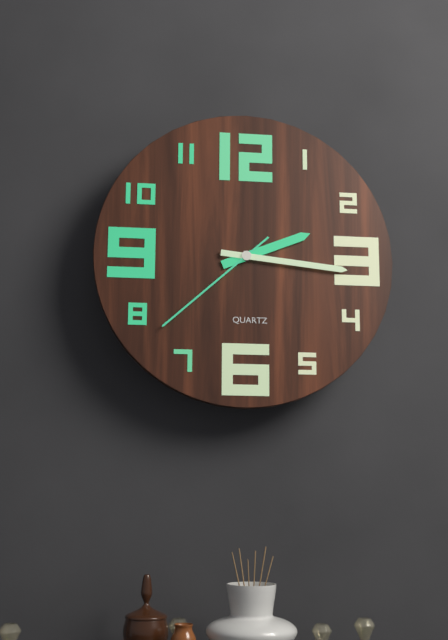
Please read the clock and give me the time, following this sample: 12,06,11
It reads 2,16,38
